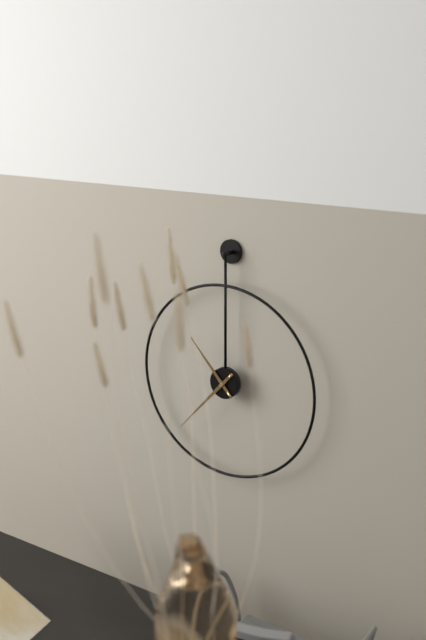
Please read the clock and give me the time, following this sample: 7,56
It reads 10,37
